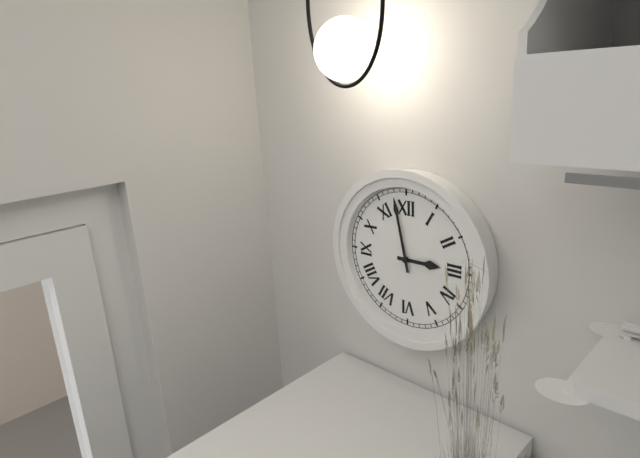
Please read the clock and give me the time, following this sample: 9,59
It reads 2,58
